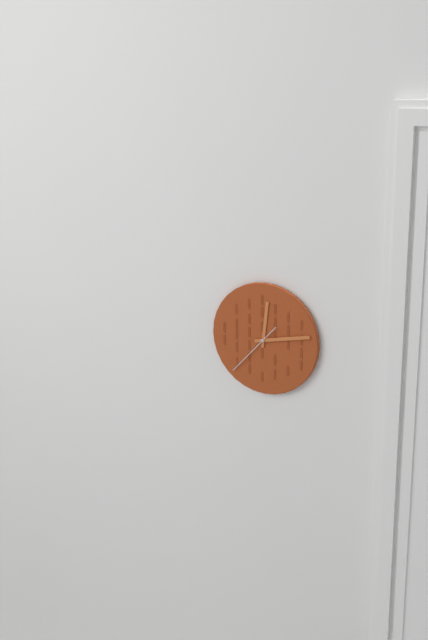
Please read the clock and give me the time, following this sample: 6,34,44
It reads 12,13,37
